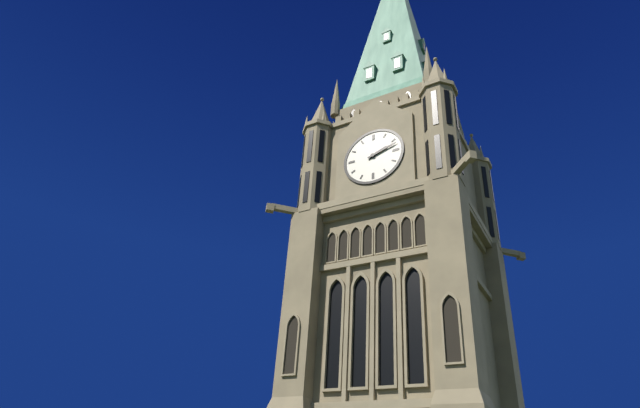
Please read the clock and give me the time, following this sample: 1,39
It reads 2,12
